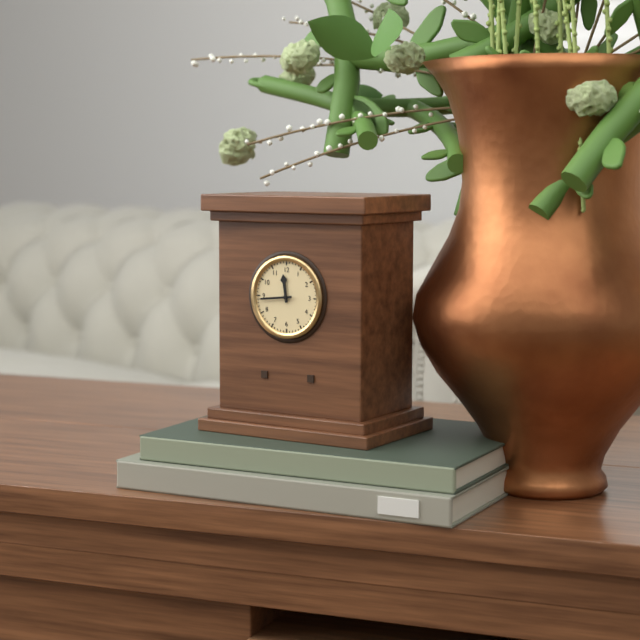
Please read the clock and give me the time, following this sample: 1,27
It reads 11,44
